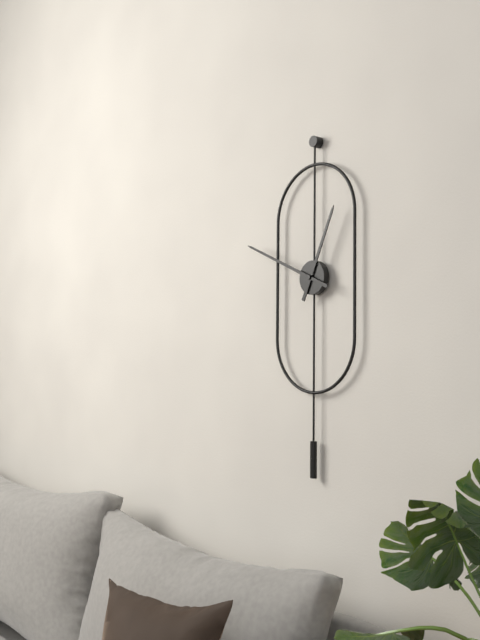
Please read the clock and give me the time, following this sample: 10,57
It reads 12,49
